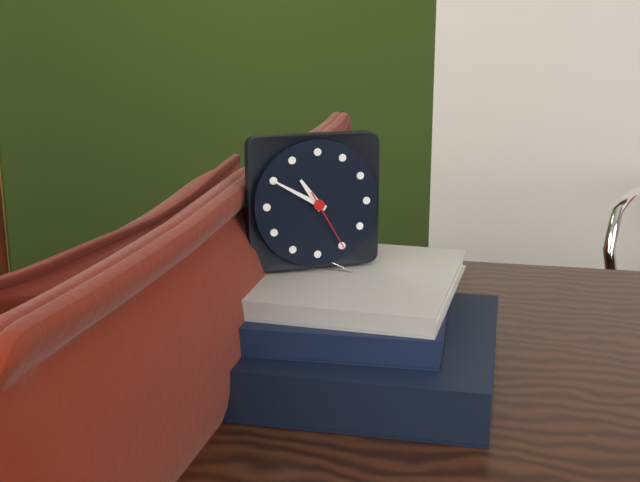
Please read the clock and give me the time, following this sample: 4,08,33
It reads 10,50,25
